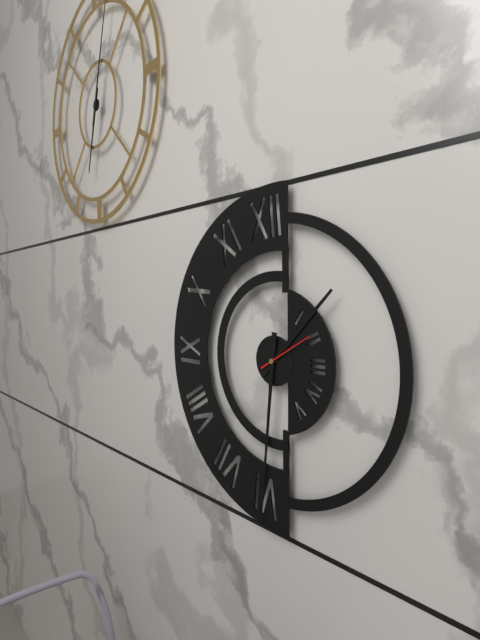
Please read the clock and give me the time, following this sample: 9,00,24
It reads 1,31,10
